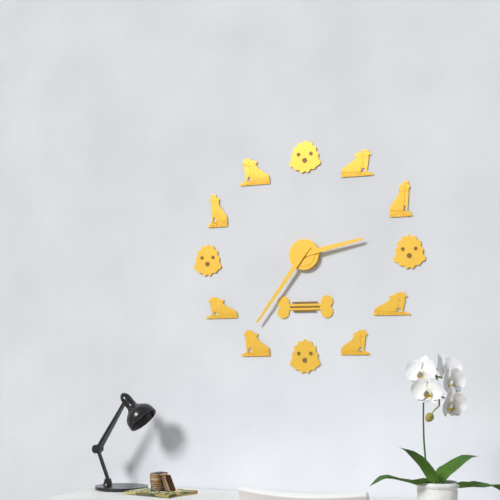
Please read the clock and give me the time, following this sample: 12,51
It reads 2,36
